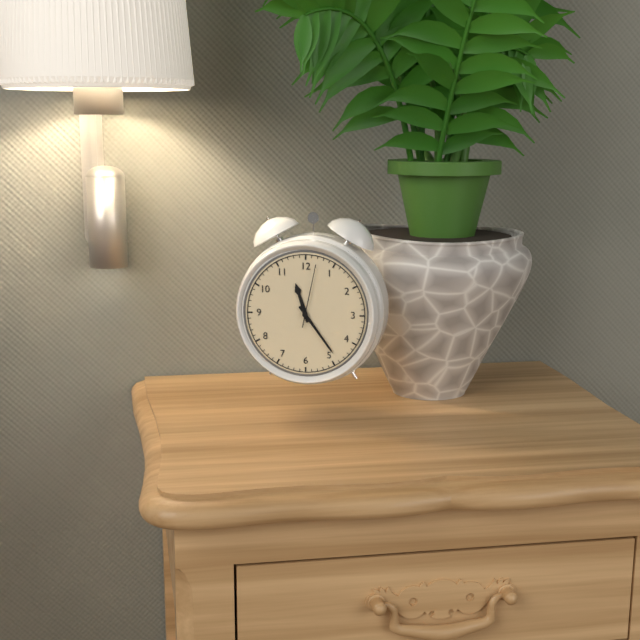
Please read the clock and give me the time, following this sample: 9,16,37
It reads 11,24,02
